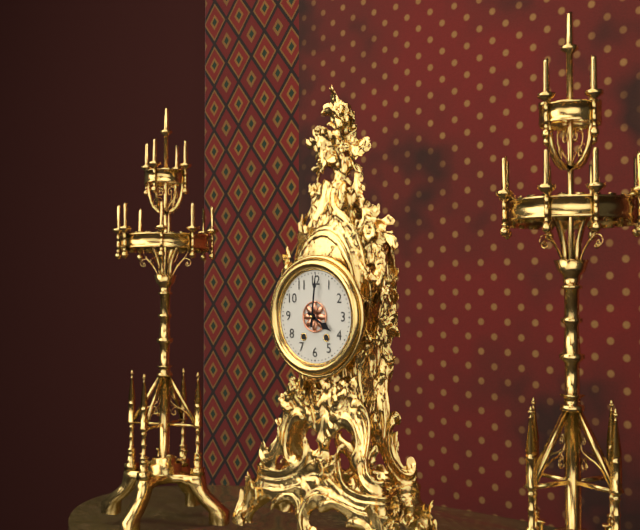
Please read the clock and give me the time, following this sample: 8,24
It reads 4,01
